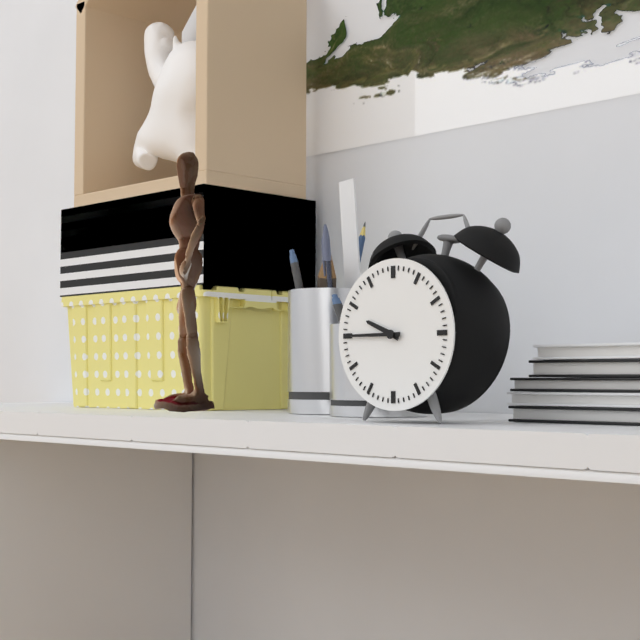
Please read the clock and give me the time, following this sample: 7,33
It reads 9,45
